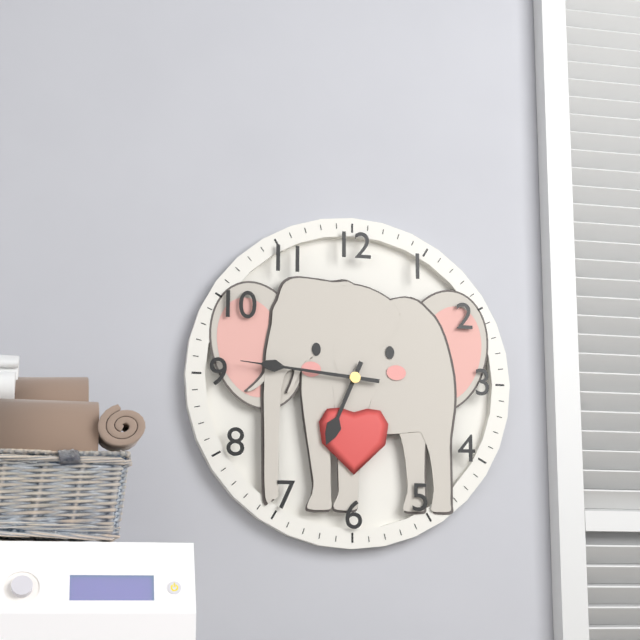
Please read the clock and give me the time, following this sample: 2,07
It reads 6,46
